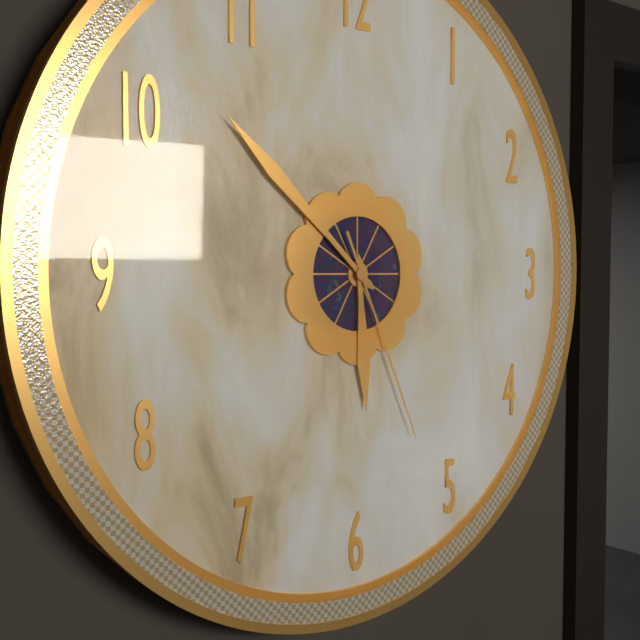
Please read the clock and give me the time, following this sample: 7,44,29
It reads 5,52,26
